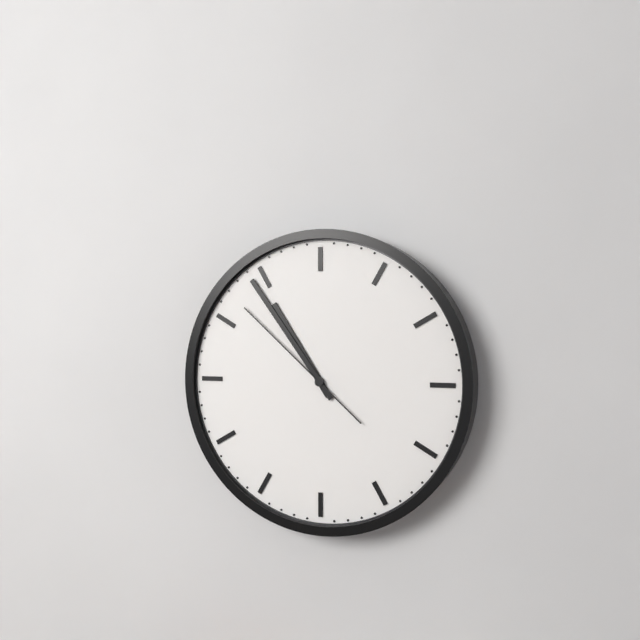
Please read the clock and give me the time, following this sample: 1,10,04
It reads 10,54,52
